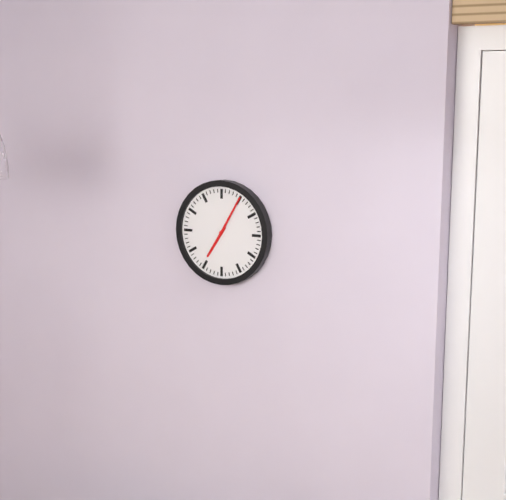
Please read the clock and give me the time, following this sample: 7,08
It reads 7,05
